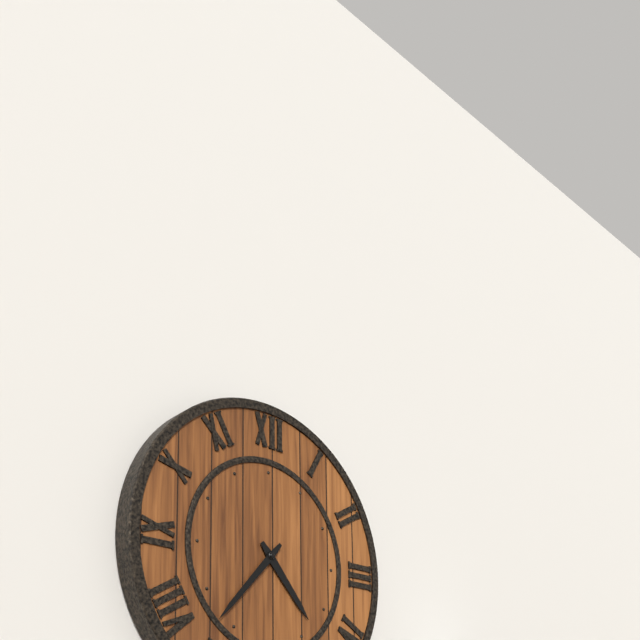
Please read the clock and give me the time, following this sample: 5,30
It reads 4,37
